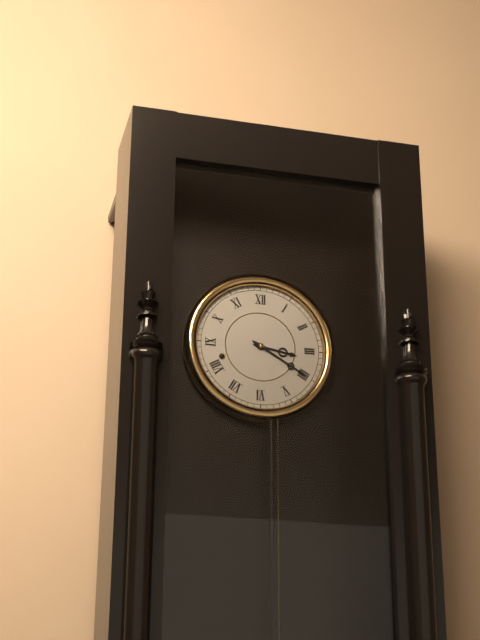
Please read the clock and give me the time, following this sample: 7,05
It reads 3,20
